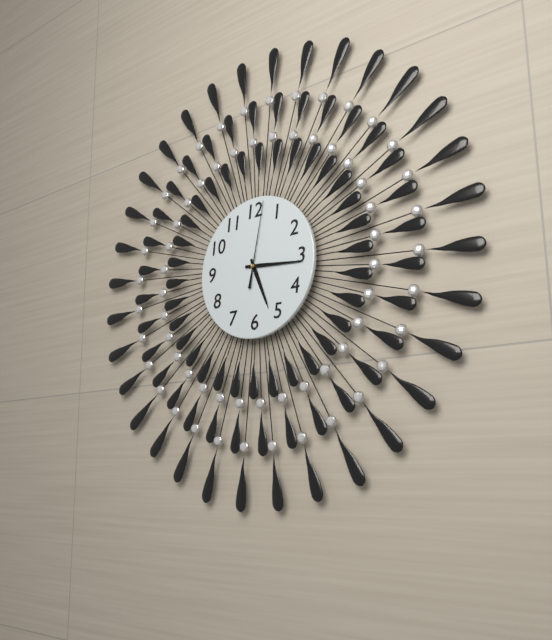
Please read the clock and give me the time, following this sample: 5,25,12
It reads 5,16,02
